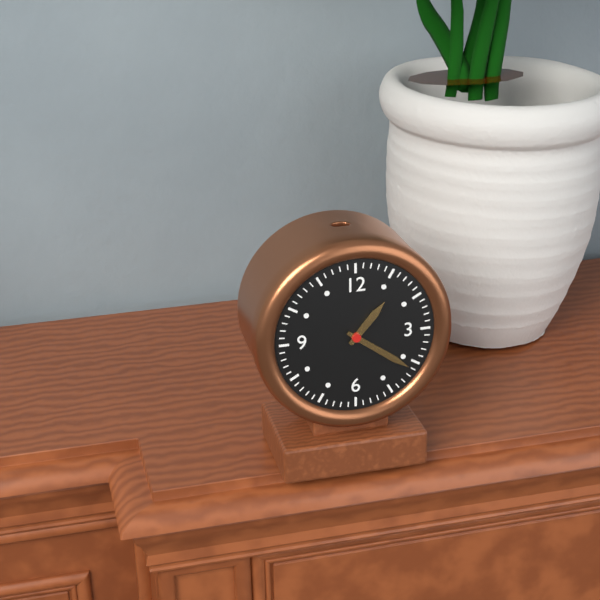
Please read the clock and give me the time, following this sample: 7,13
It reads 1,21
